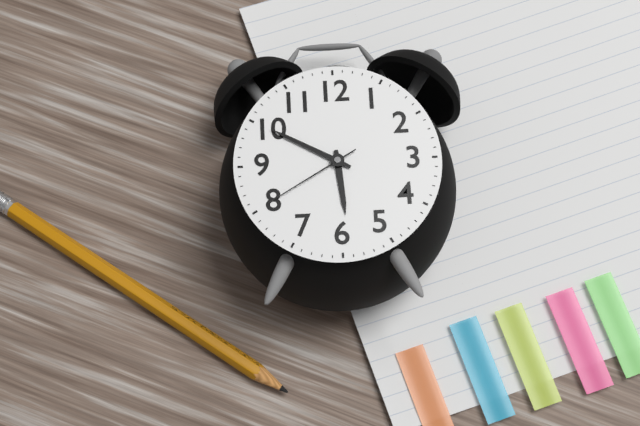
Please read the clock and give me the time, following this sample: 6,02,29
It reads 5,50,40
